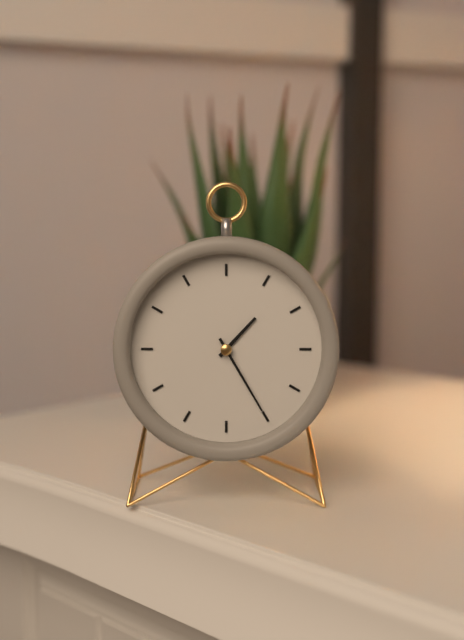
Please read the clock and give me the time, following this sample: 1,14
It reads 1,25
